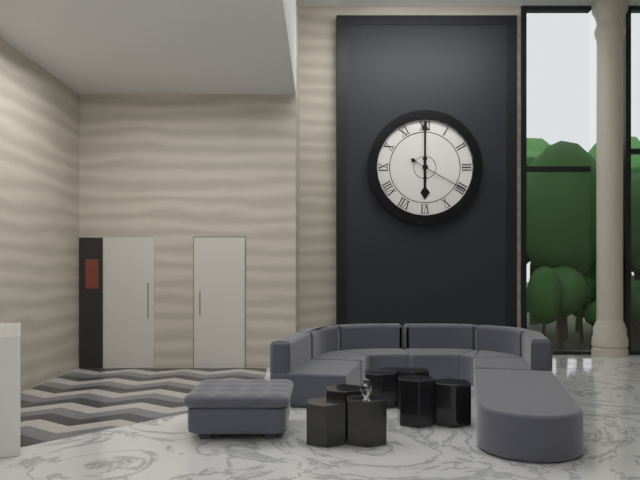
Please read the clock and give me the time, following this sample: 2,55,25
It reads 6,00,20
